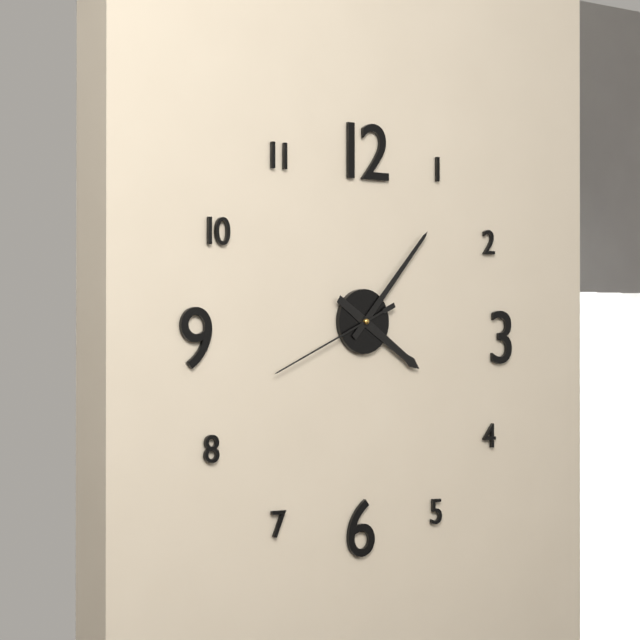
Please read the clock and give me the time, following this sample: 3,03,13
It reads 4,07,41
